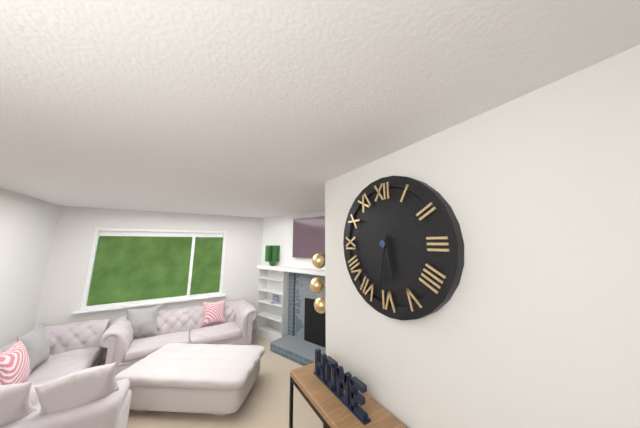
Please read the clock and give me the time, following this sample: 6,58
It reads 5,32
